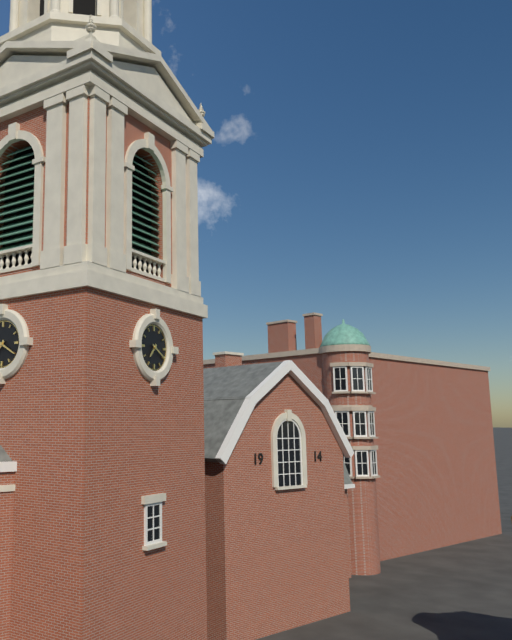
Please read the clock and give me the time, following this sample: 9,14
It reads 7,20
